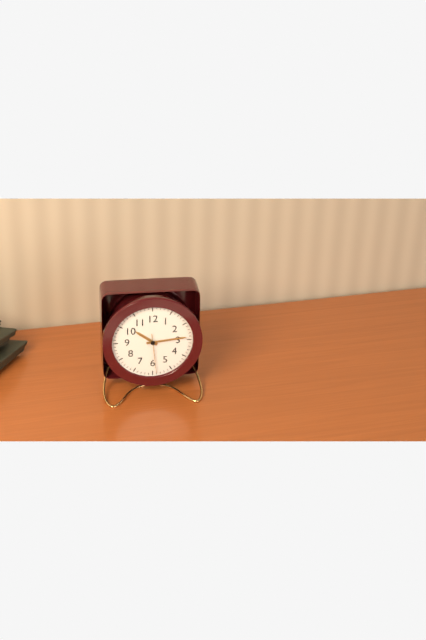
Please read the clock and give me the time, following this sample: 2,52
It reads 10,14
